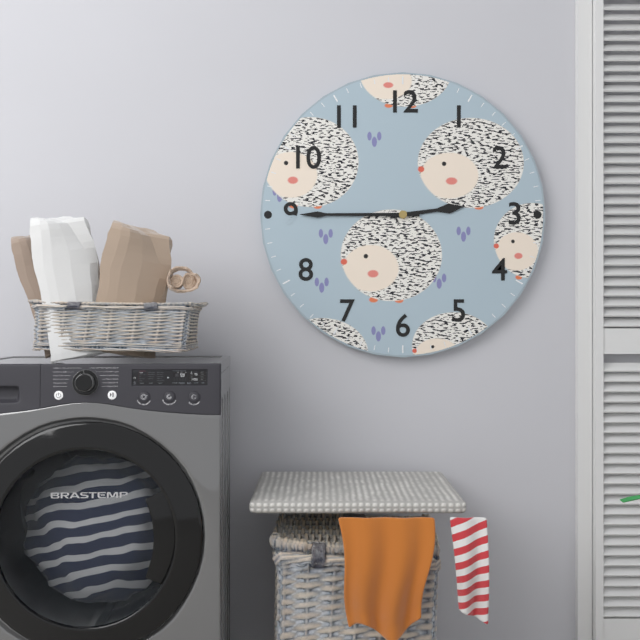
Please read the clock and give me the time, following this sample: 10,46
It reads 2,45
